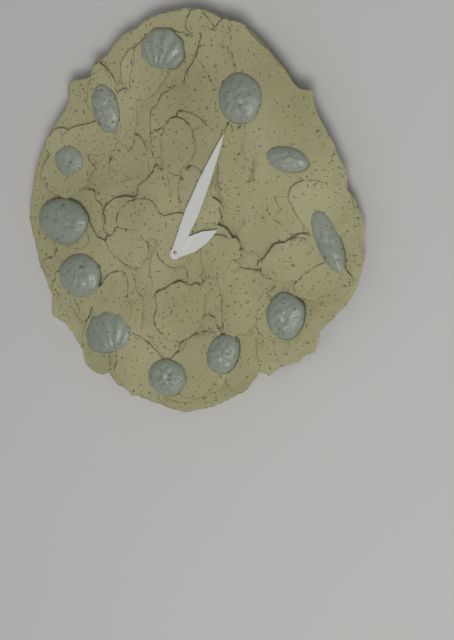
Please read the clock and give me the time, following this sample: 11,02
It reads 2,04
